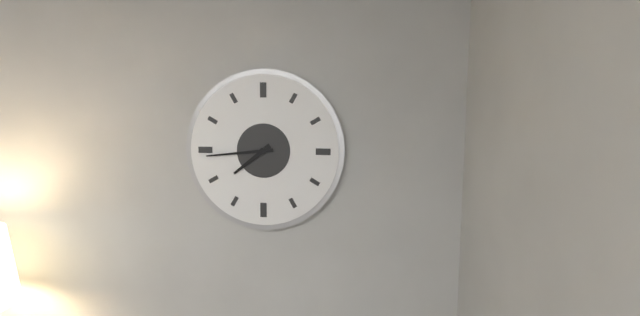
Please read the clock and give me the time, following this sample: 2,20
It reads 7,44
